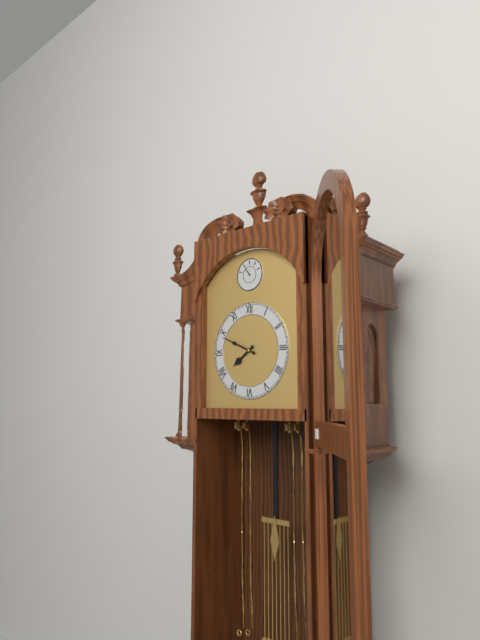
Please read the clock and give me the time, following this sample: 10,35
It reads 7,49
